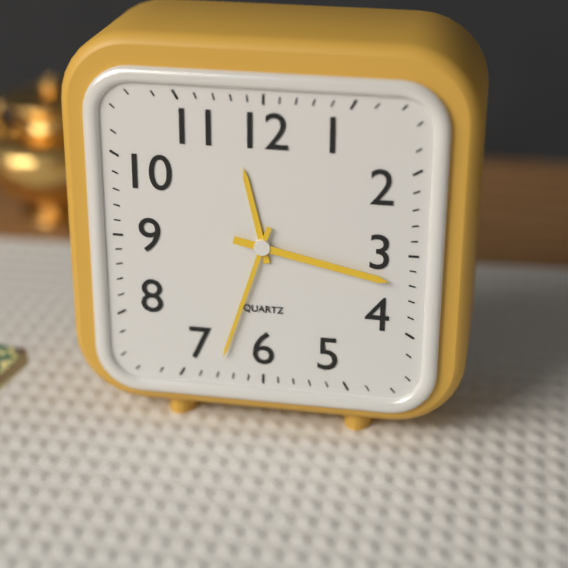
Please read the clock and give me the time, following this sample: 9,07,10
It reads 11,33,17
